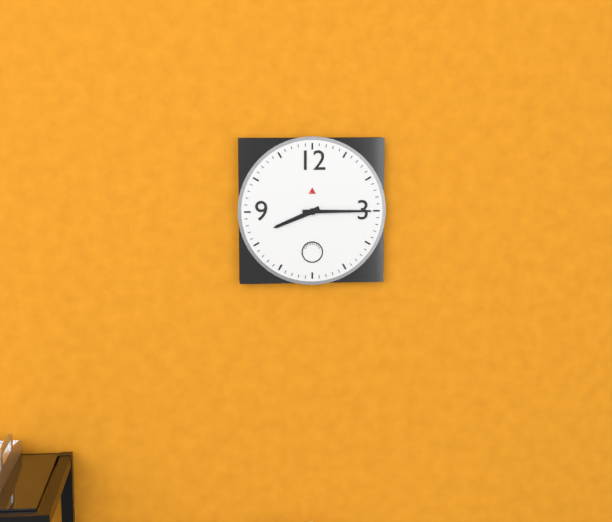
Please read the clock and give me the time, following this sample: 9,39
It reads 8,15
